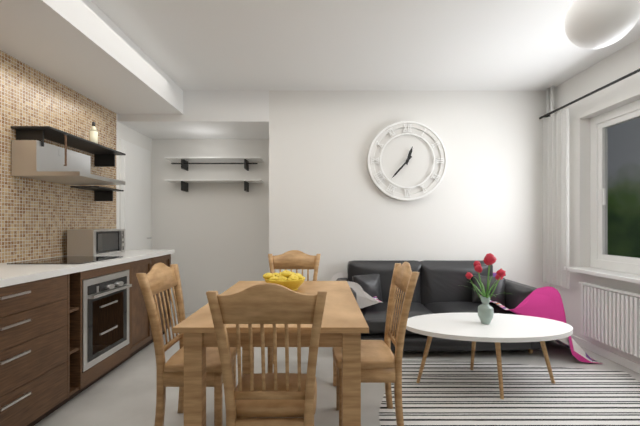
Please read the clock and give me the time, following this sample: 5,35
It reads 12,37
